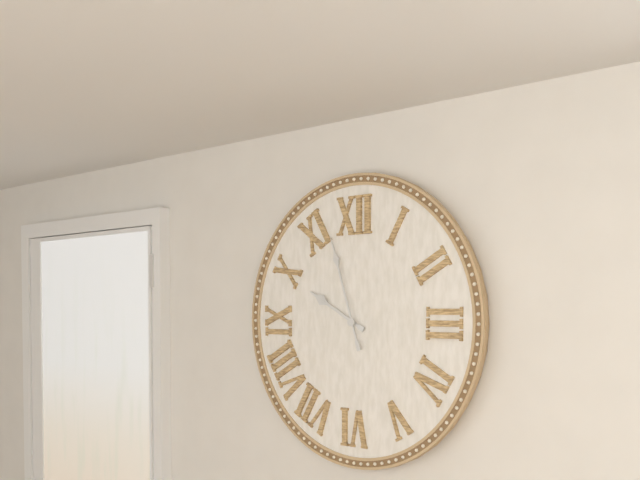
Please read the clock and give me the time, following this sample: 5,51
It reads 9,57
